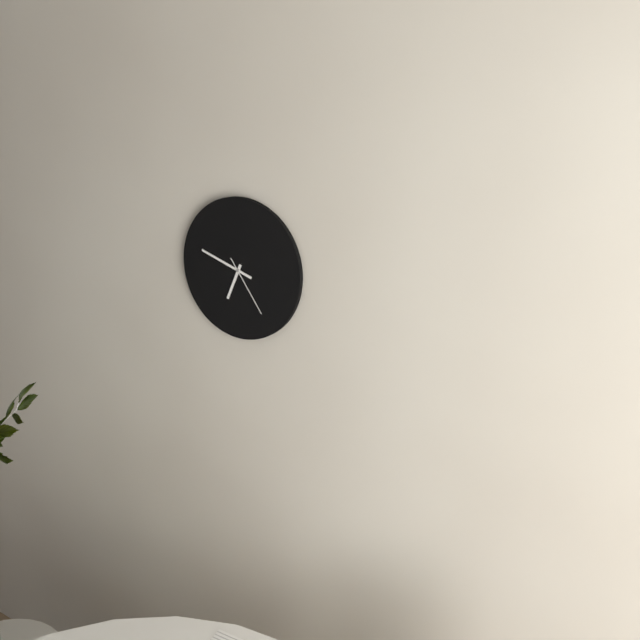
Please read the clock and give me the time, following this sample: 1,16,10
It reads 6,48,24
